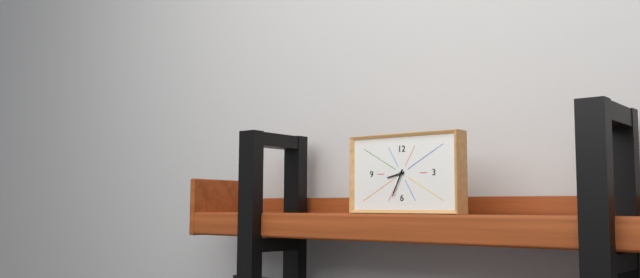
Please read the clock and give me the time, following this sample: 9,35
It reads 8,34
